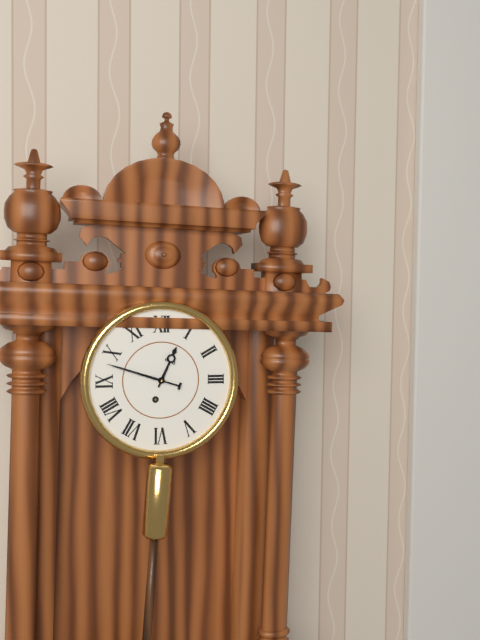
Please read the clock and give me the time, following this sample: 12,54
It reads 12,48
